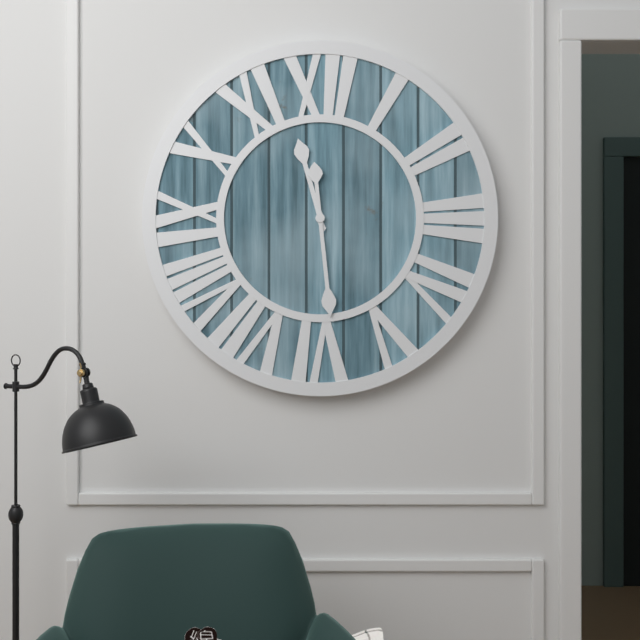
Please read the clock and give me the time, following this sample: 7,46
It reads 11,29
